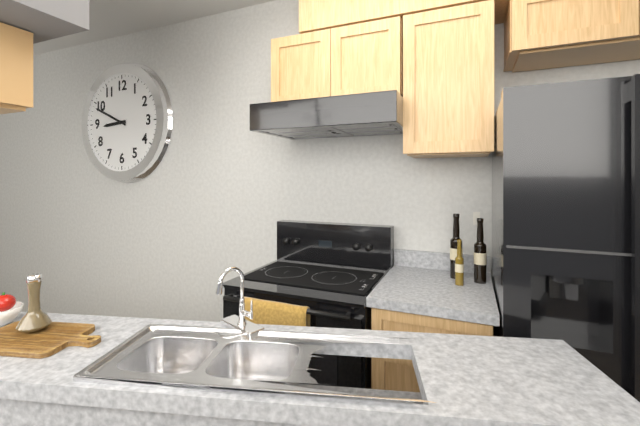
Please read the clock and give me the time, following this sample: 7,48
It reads 8,49
